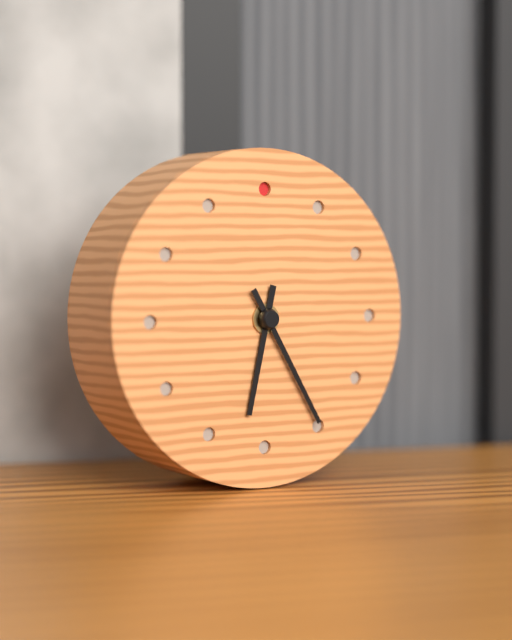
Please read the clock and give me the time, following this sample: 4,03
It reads 6,25
